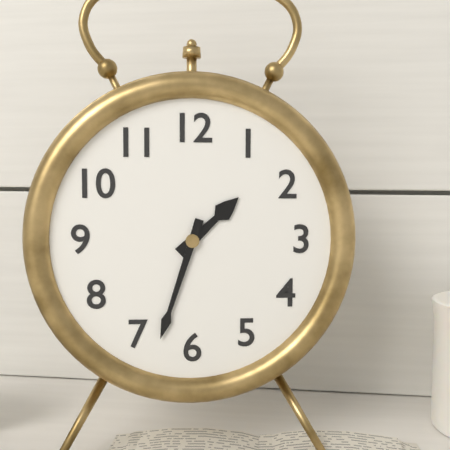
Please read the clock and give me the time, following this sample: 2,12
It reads 1,33
